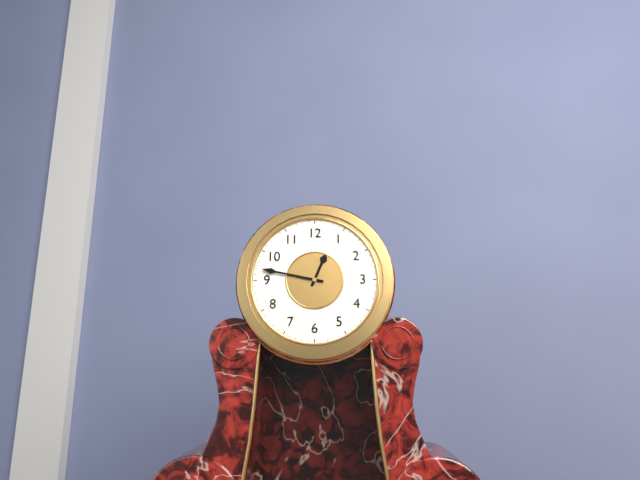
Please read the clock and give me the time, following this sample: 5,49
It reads 12,47
